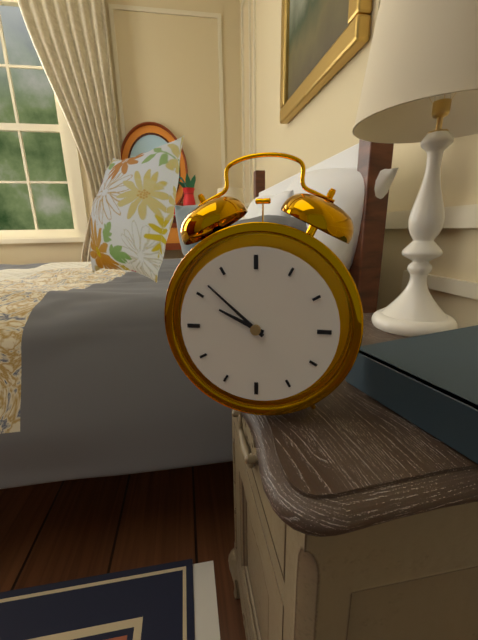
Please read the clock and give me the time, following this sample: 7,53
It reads 9,52
